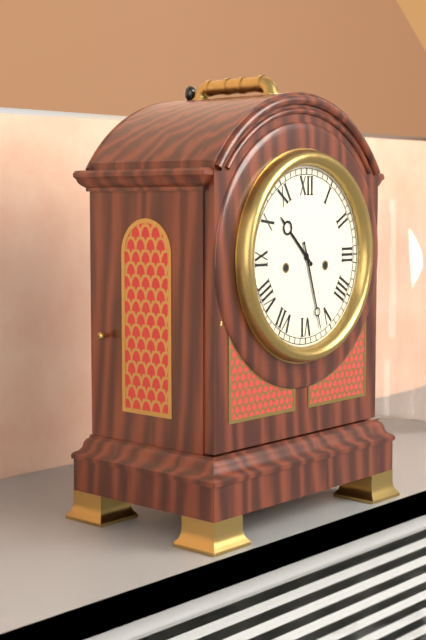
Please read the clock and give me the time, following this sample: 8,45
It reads 10,27
